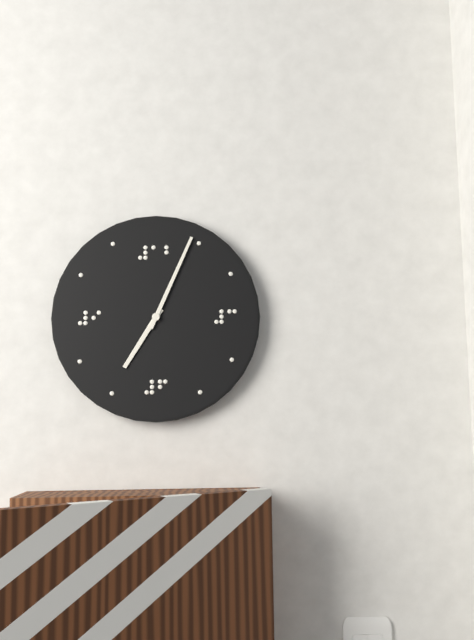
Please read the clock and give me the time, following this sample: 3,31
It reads 7,04
